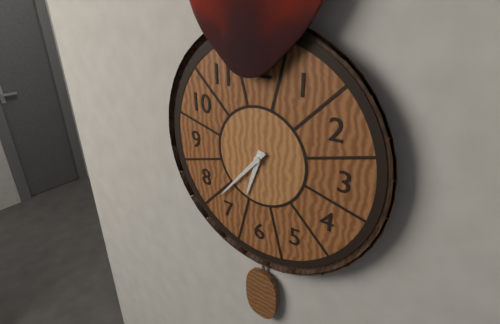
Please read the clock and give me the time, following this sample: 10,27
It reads 6,37
